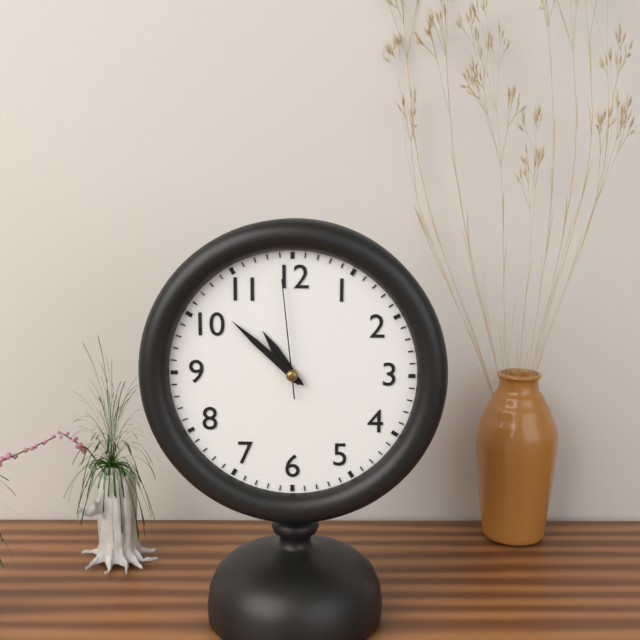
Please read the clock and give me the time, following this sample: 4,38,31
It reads 10,52,59
